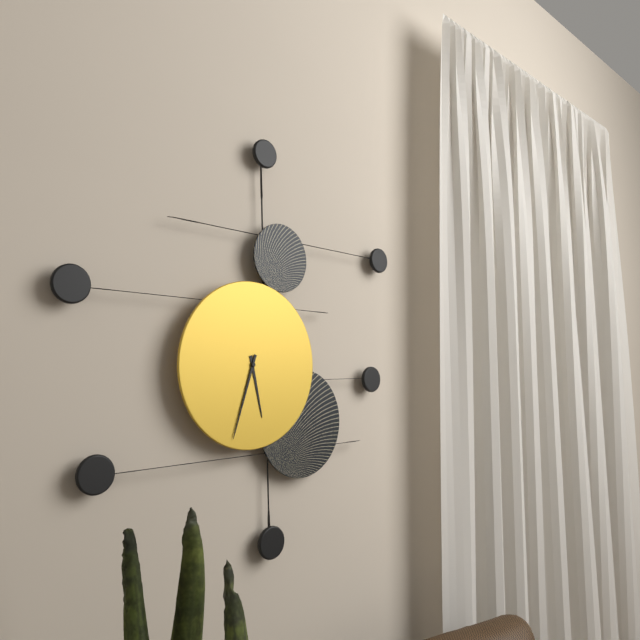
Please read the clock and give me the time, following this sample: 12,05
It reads 5,33
